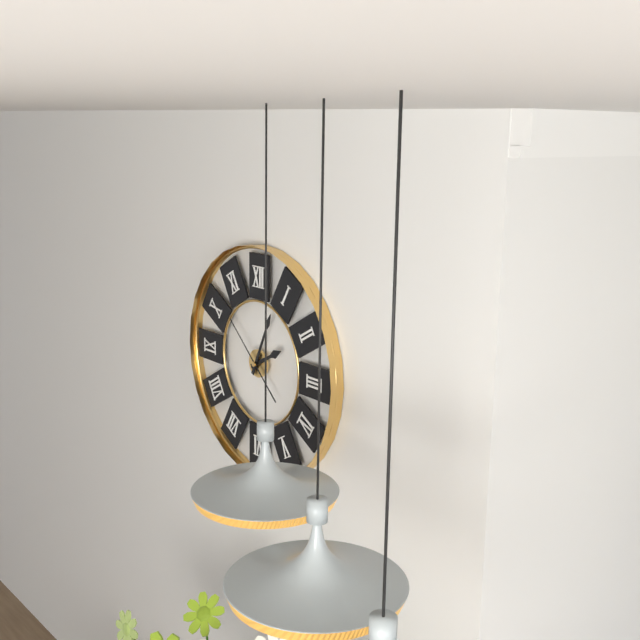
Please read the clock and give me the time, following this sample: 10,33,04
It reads 2,04,52
